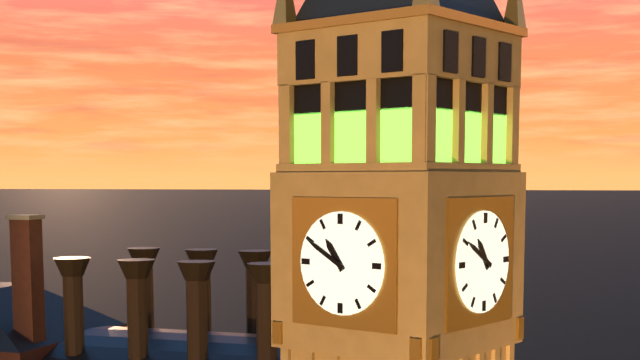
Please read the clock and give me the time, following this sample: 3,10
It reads 10,50
